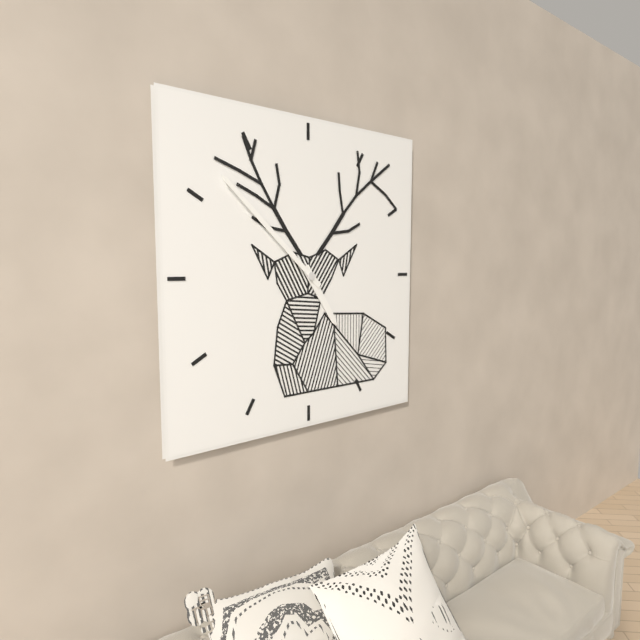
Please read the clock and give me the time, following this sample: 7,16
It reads 4,52
